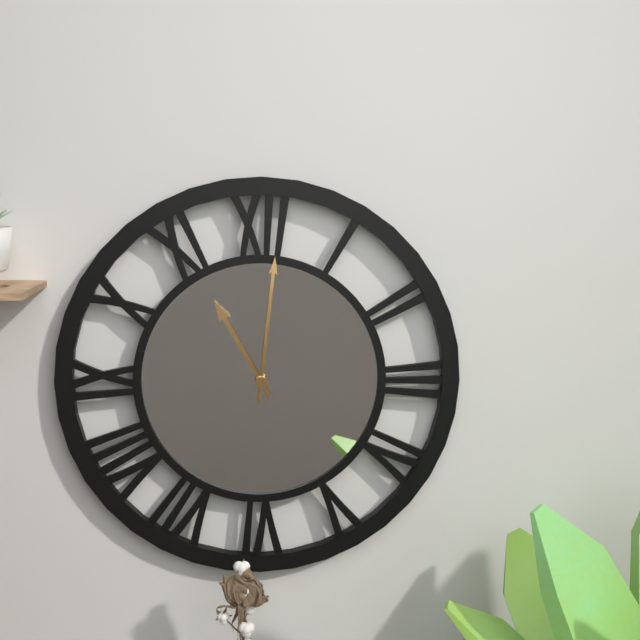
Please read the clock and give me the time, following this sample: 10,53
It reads 11,01
